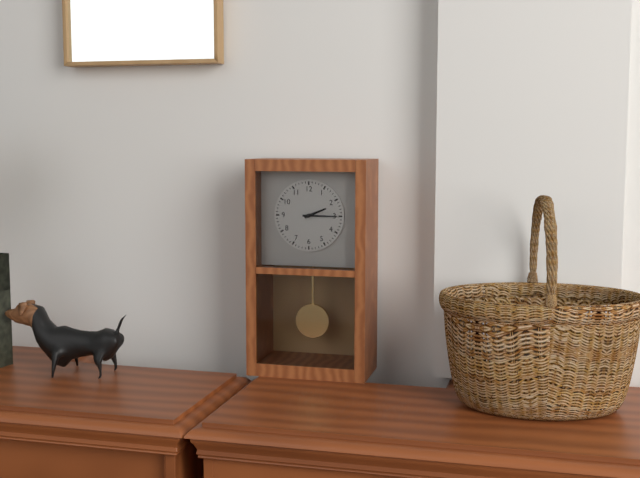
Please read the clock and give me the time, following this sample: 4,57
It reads 2,15
